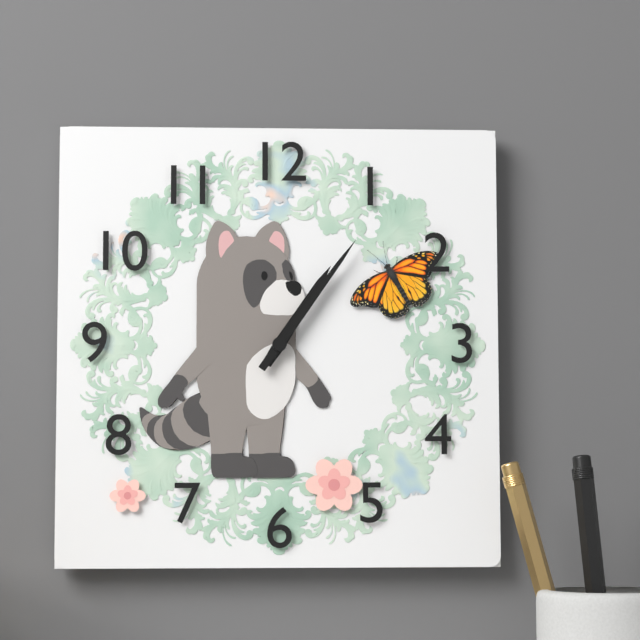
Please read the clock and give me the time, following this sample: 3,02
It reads 1,06
